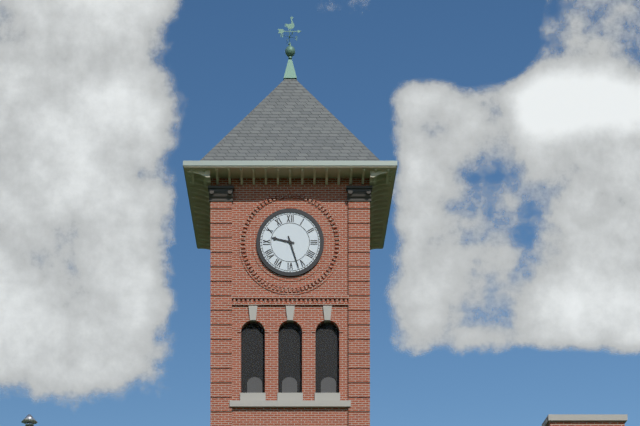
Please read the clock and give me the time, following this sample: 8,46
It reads 9,27
